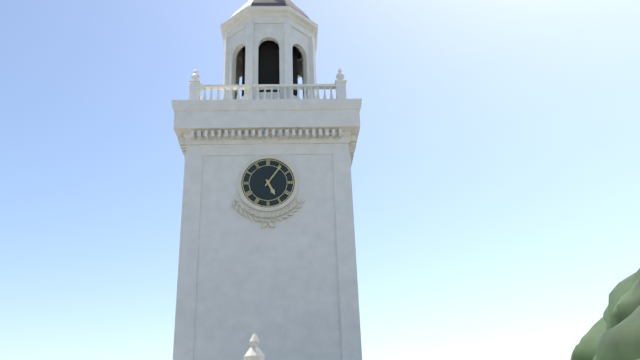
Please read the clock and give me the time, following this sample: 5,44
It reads 5,06
